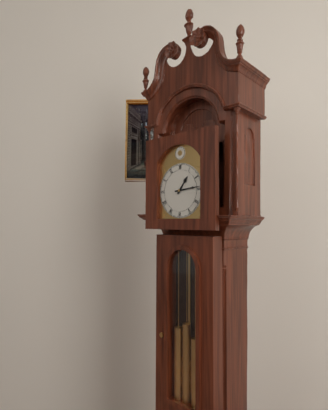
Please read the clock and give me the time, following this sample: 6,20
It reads 1,14
